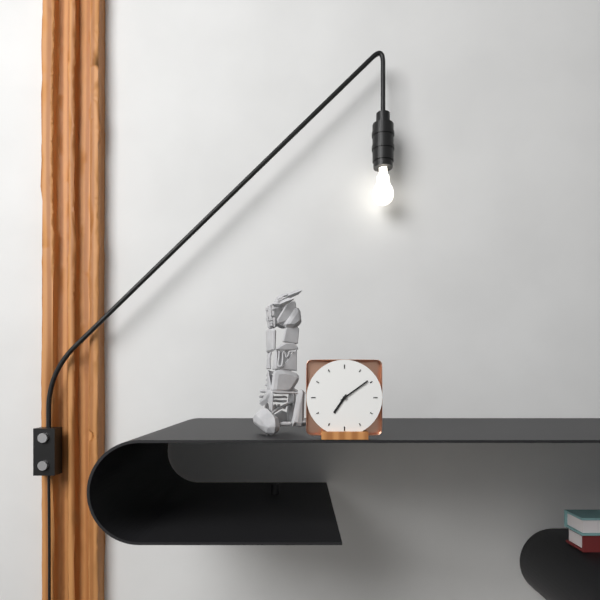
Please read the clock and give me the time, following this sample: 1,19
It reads 7,09
